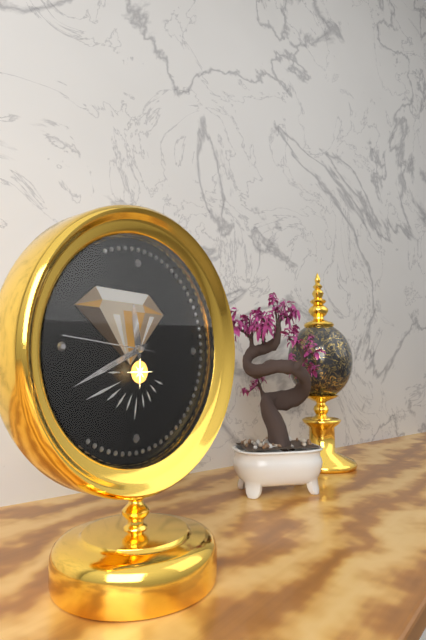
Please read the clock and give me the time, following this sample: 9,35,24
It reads 11,41,46
